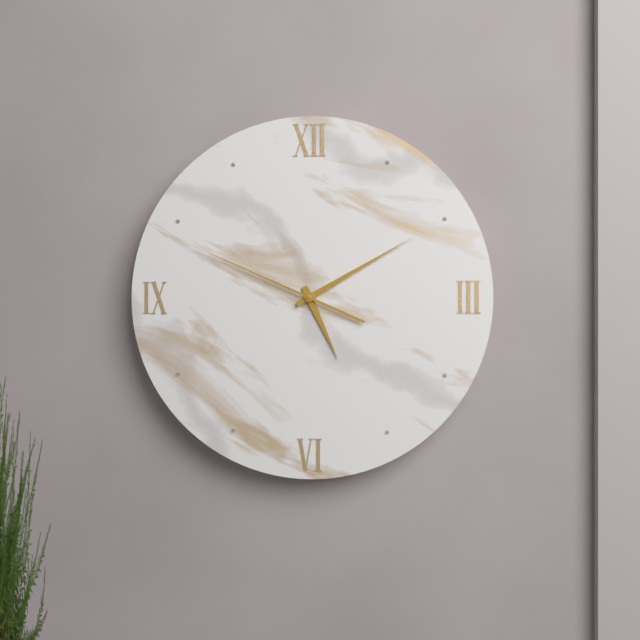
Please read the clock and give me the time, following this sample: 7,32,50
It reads 5,10,49
